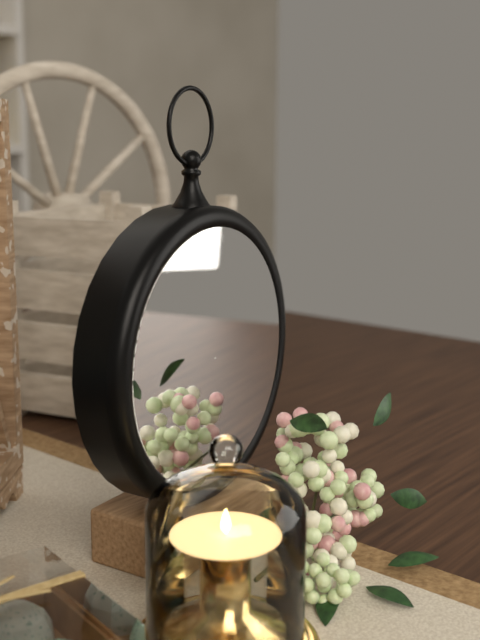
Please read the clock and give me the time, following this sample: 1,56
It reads 2,52
